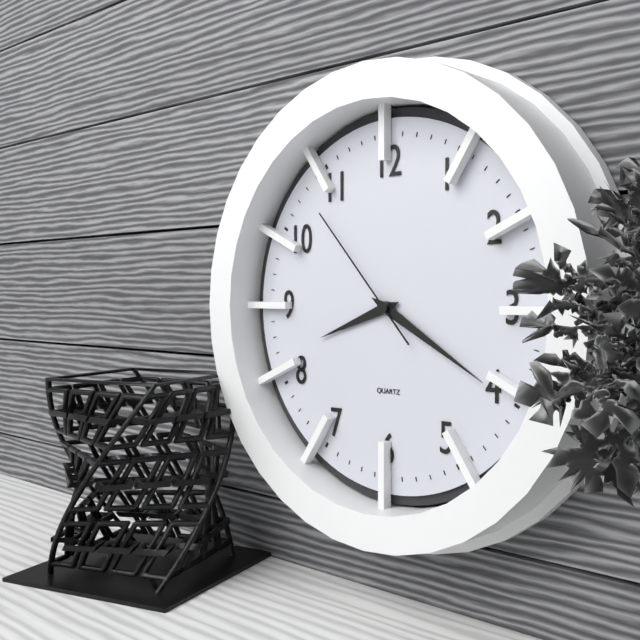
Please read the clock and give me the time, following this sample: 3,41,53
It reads 8,20,53
